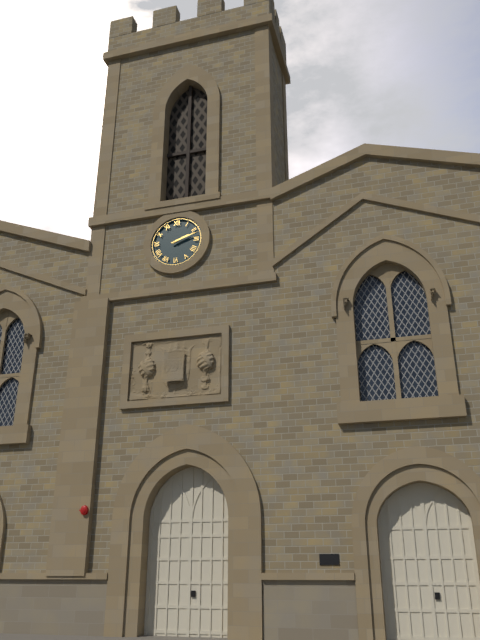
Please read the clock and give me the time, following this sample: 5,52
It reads 2,12
